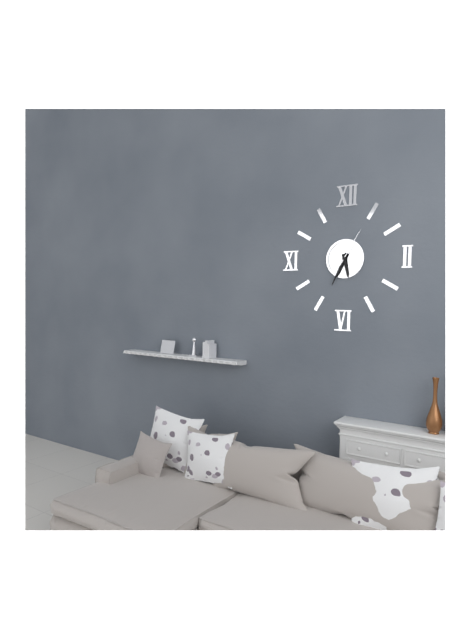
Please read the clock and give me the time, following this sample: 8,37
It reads 5,34
